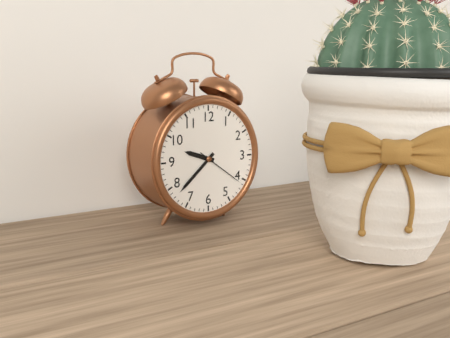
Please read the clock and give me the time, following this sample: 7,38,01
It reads 9,38,21
